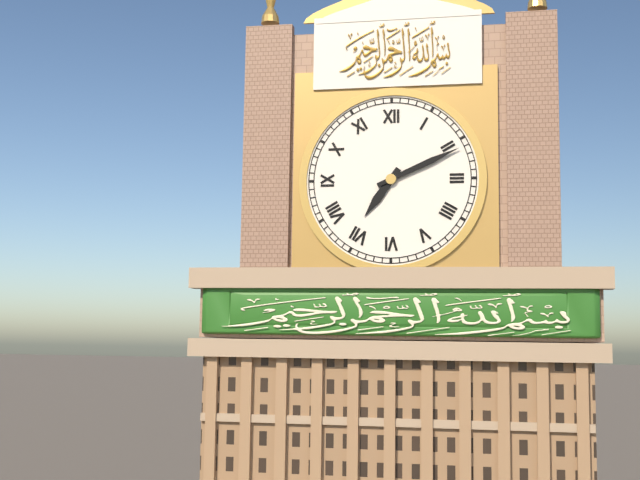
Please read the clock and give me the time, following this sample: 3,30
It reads 7,11
